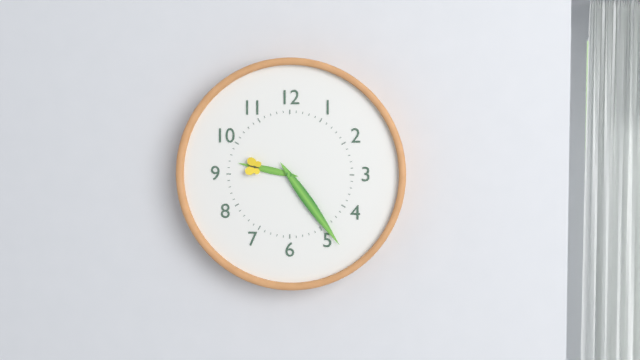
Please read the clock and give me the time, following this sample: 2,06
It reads 9,24
